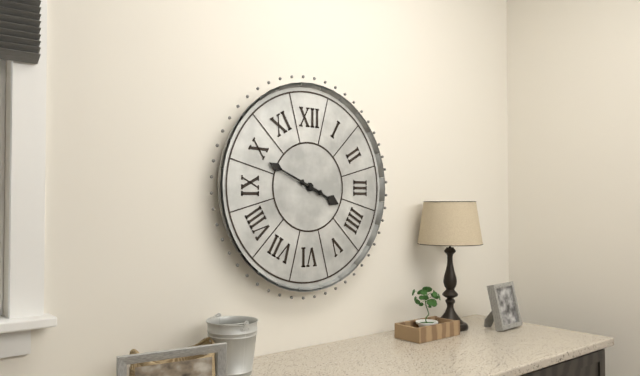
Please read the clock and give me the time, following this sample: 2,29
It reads 3,49
